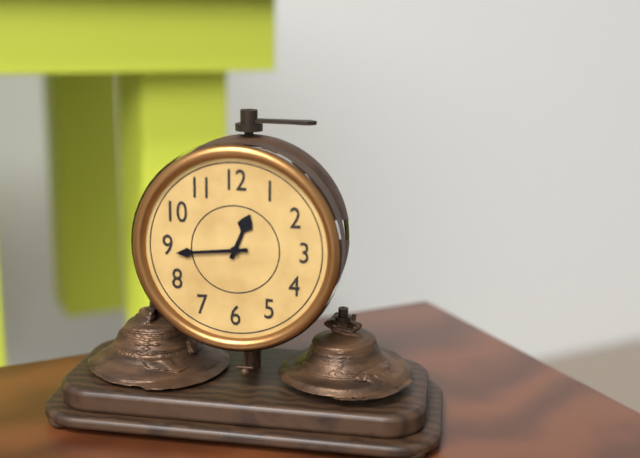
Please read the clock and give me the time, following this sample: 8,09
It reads 12,44
